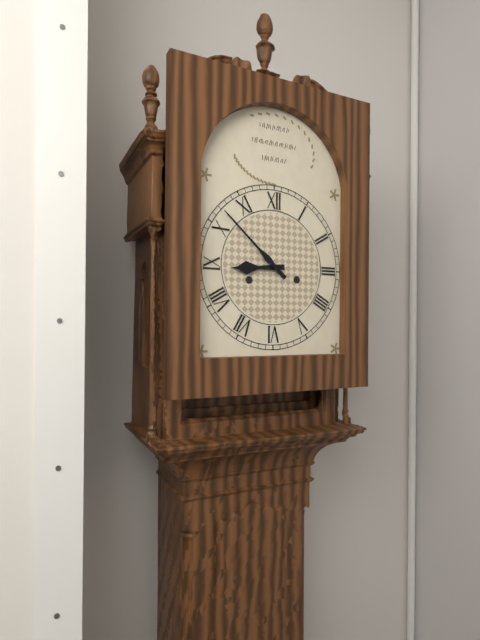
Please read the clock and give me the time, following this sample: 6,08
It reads 8,52
